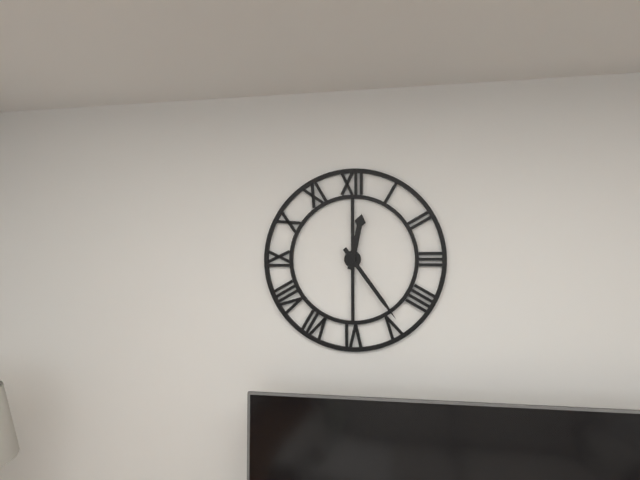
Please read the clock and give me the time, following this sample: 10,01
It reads 12,24
